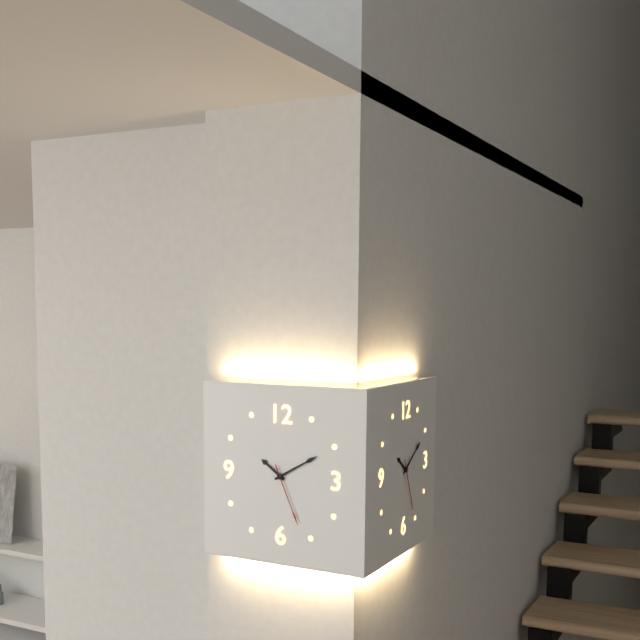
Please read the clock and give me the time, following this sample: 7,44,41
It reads 10,10,26
